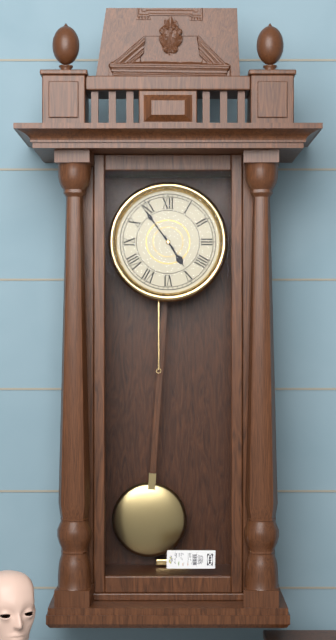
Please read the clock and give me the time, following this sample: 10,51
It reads 4,54
